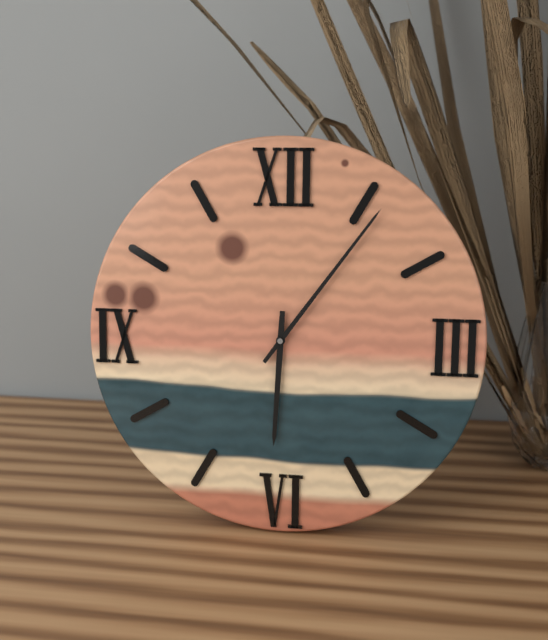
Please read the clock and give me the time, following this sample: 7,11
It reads 6,06
